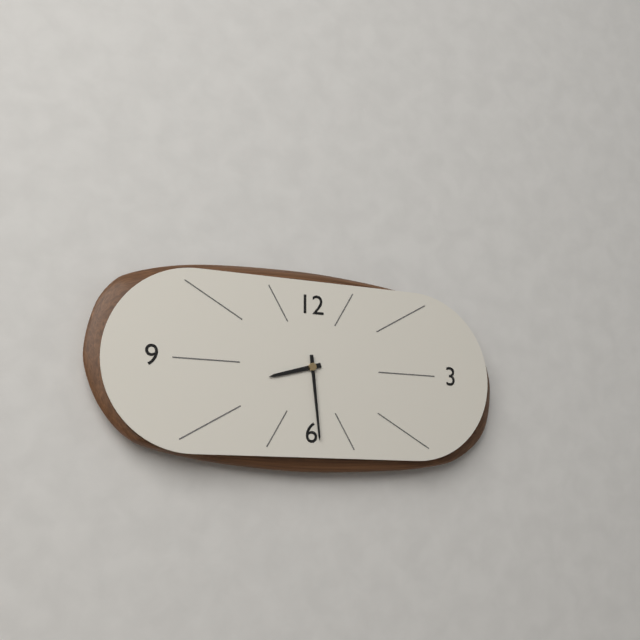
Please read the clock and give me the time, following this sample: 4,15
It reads 8,29
